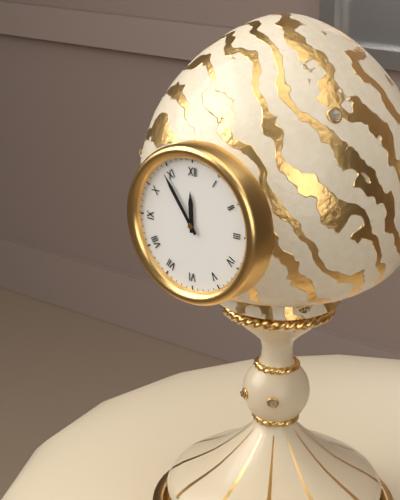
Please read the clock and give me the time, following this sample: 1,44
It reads 11,54
